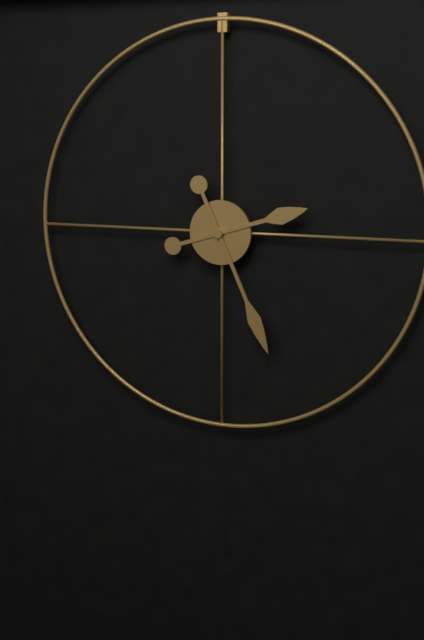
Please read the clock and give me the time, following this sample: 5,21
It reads 2,26
